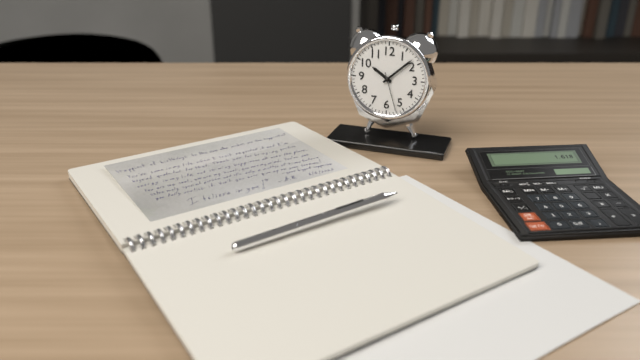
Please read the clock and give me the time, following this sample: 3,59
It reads 10,08
